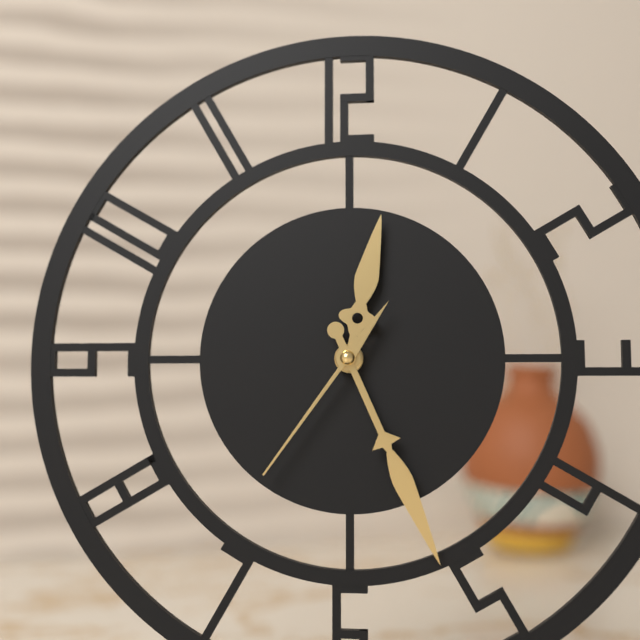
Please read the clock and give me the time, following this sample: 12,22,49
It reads 12,26,36
